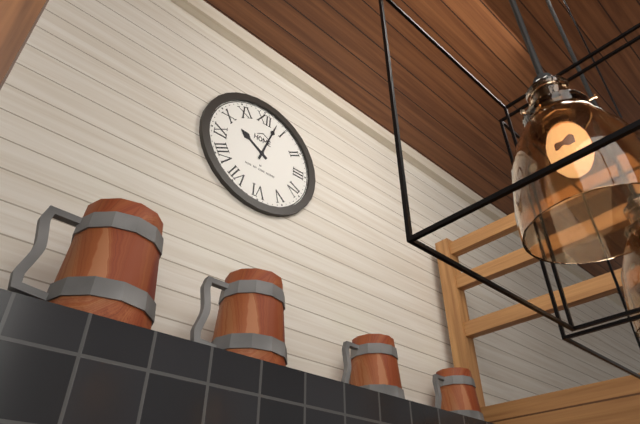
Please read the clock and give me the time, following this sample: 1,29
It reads 10,03
